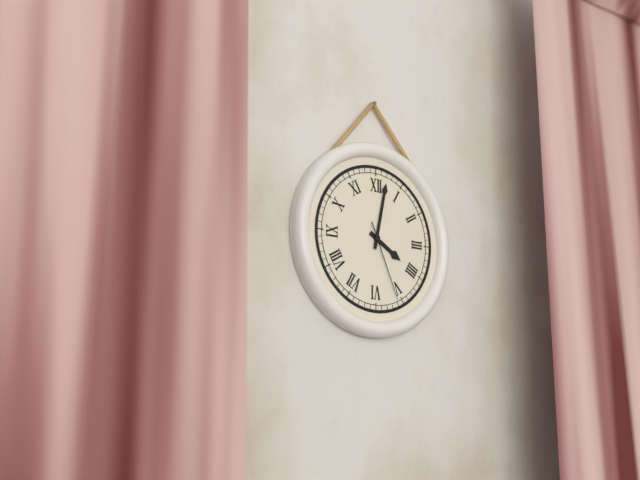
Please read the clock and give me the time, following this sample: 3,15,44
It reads 4,02,26
